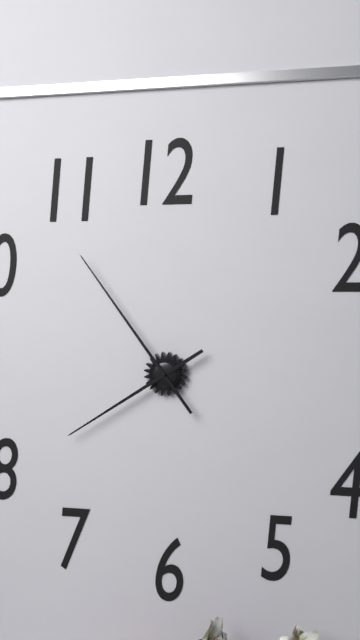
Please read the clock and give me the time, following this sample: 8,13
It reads 7,54
